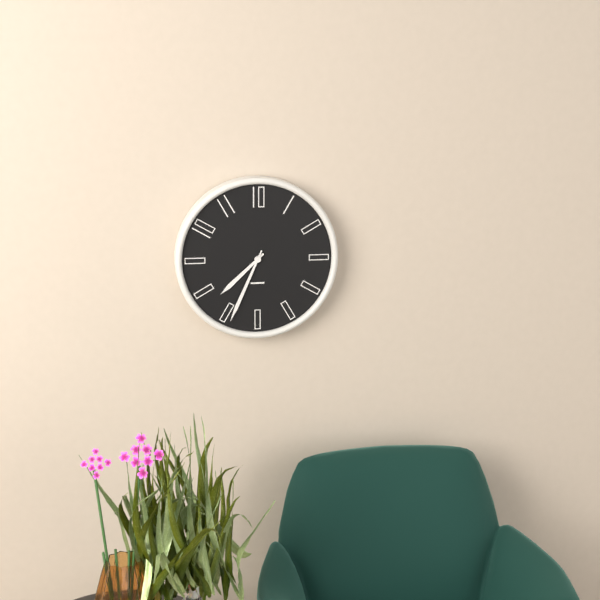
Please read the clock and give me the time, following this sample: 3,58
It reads 7,34
